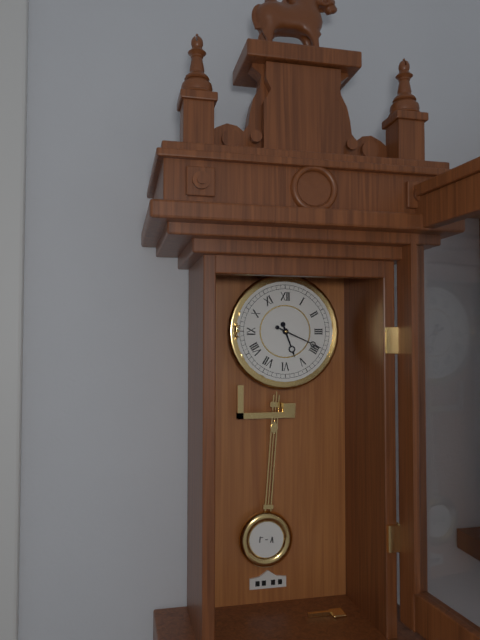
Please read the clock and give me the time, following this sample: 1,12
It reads 5,19
